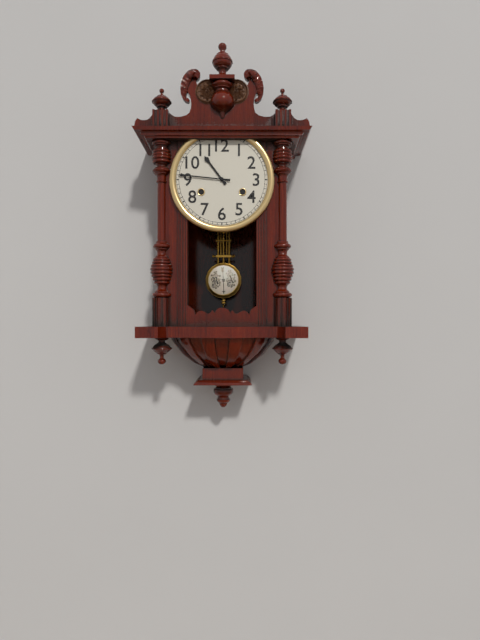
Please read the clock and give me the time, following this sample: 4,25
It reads 10,46
